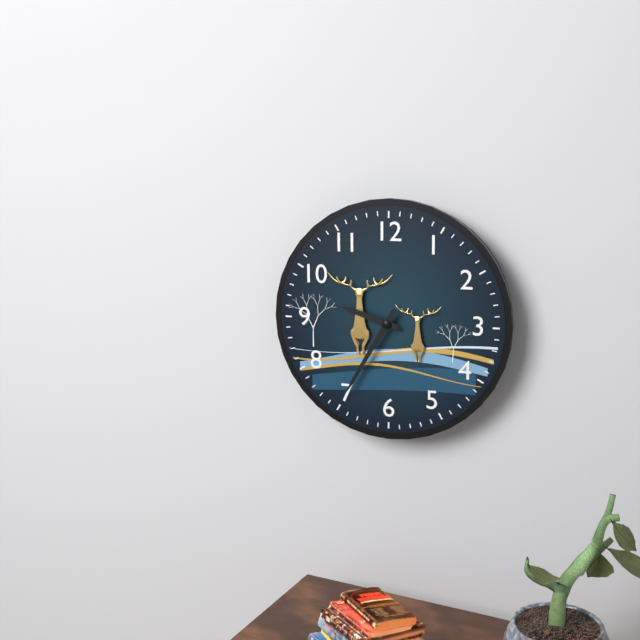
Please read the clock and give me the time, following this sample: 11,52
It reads 9,35
